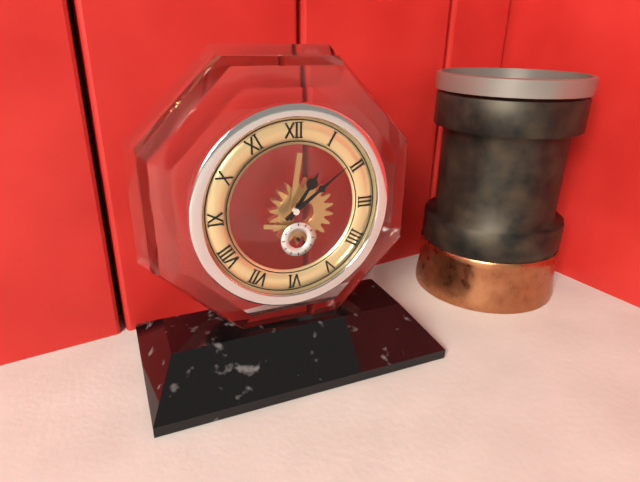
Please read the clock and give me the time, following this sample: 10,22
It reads 1,09
